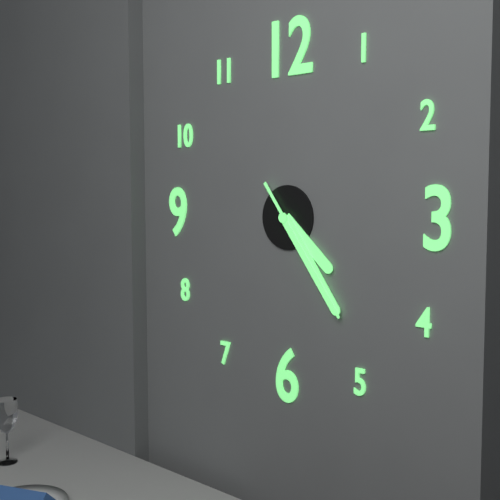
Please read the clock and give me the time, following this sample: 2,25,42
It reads 4,24,24
